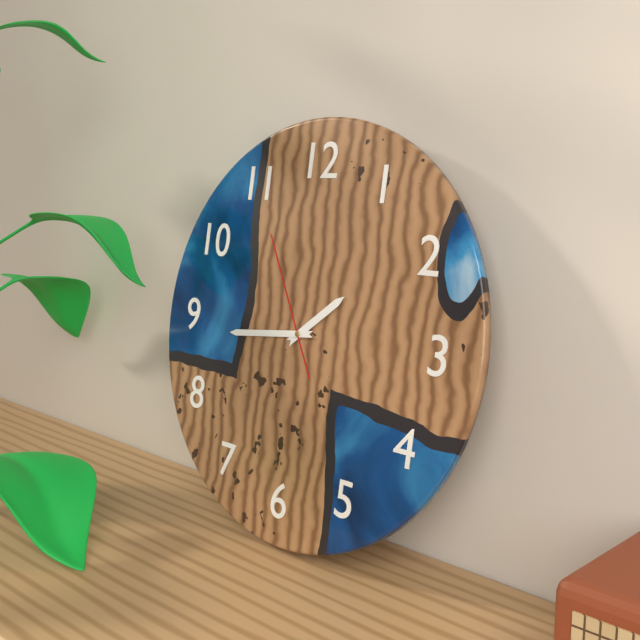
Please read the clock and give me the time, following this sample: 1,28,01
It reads 1,44,55
